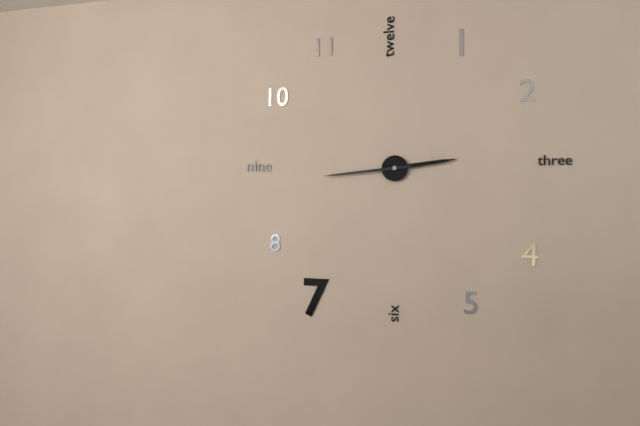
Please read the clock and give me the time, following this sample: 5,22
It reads 2,44
